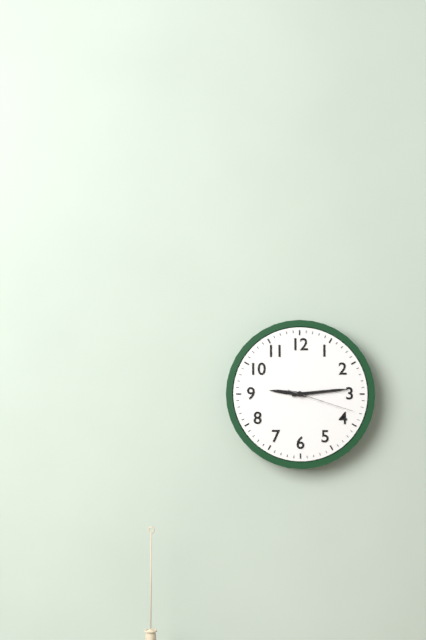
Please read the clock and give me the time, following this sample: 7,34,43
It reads 9,14,18
